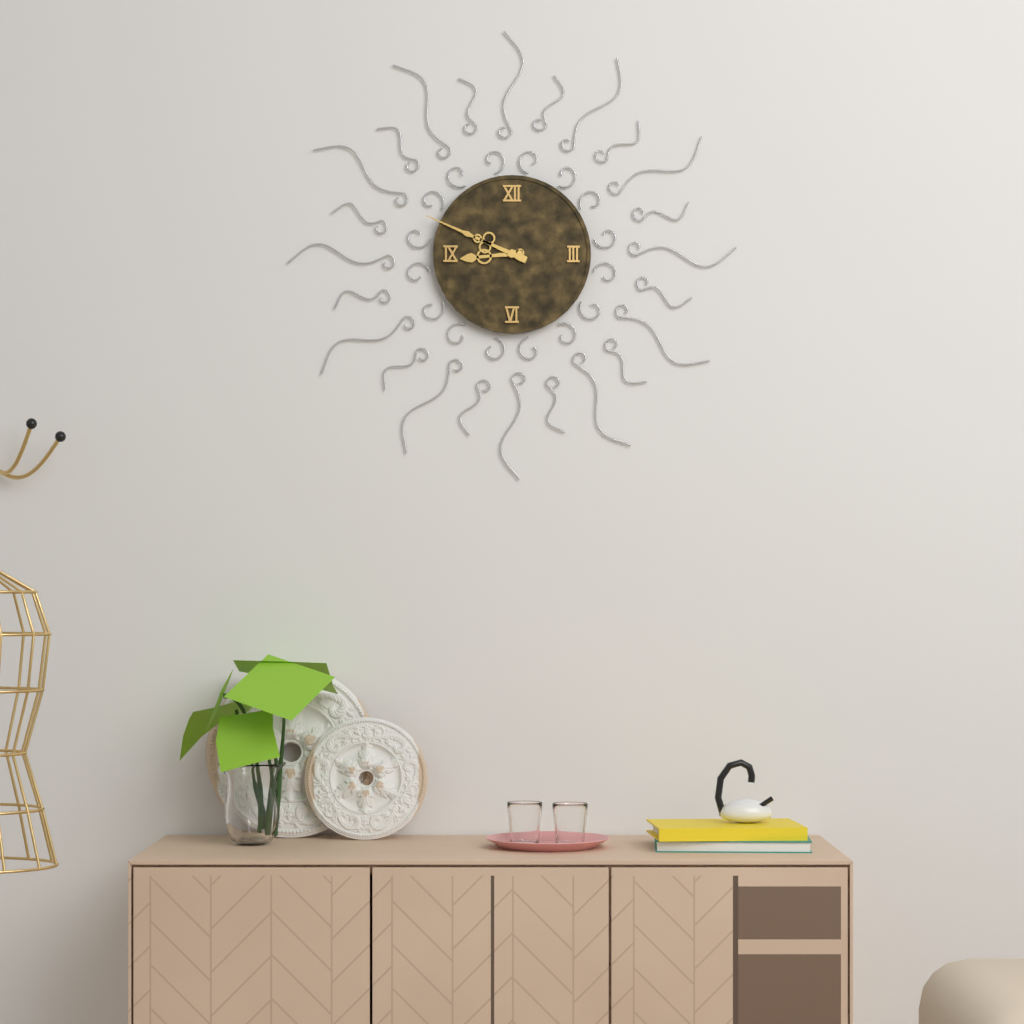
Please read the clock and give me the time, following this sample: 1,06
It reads 8,49
